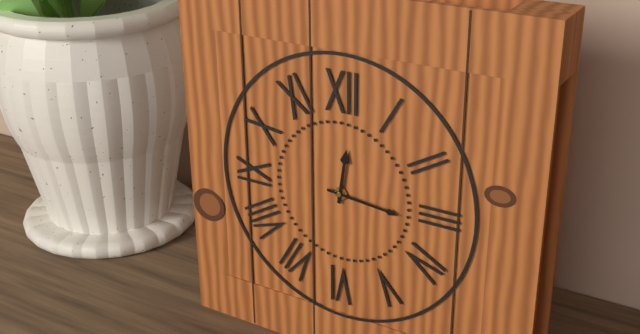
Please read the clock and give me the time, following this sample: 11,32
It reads 12,16
